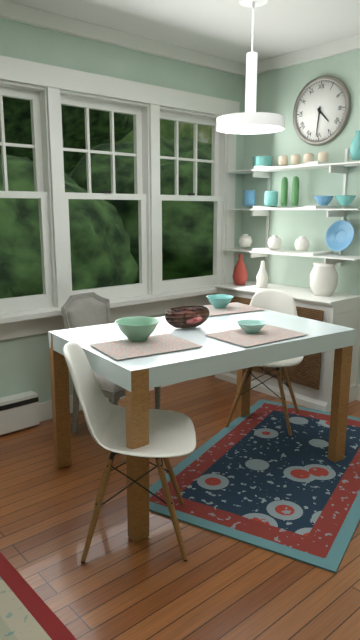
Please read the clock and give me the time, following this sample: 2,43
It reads 4,31
